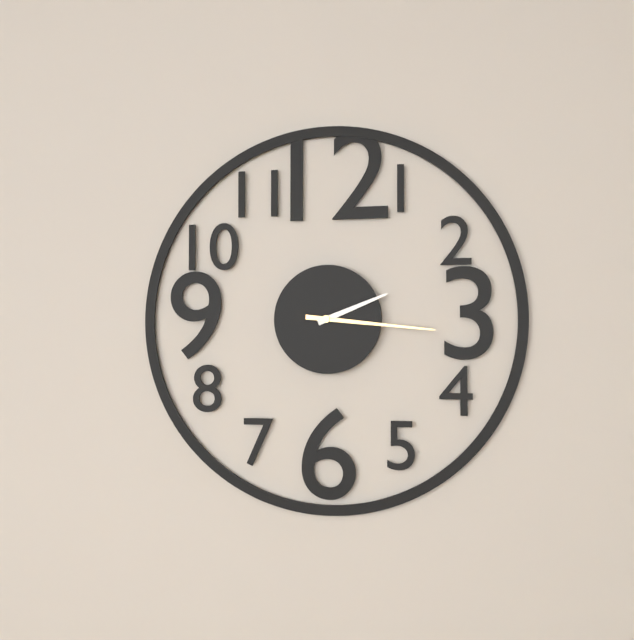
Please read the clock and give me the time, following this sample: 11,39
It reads 2,16
